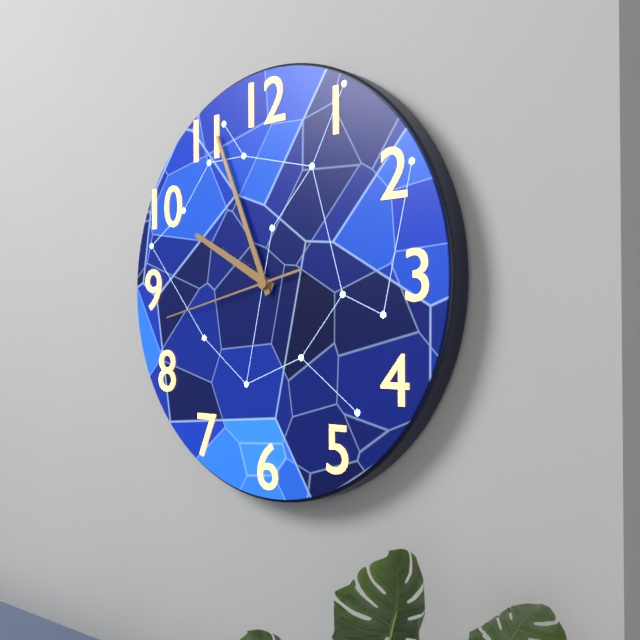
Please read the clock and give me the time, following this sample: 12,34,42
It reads 9,56,43
